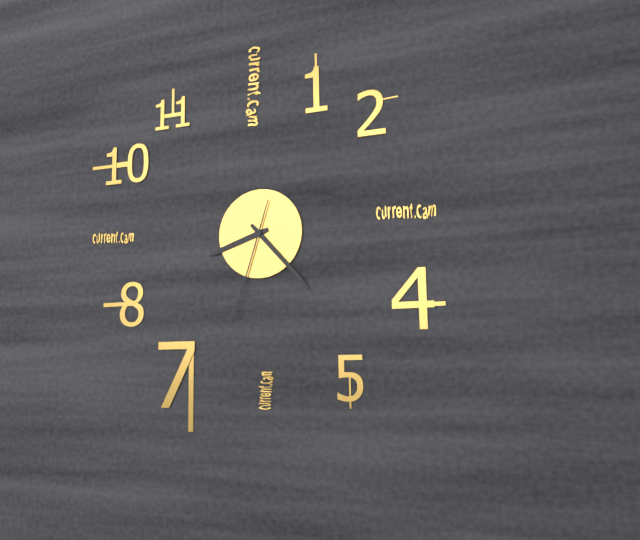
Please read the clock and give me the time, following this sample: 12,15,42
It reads 8,23,33
